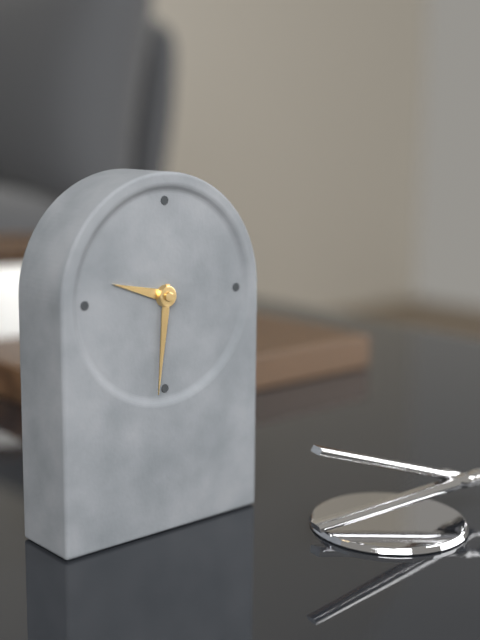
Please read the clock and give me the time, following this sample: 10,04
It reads 9,31
